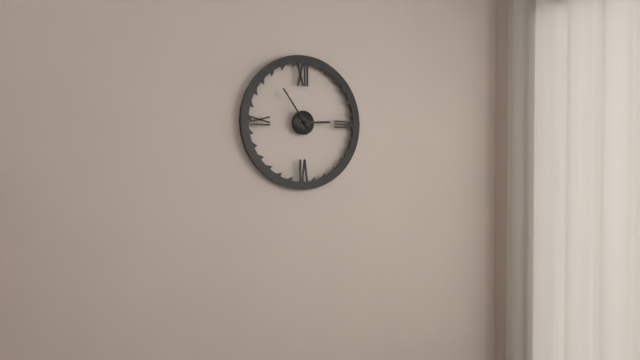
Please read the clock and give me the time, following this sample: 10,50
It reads 2,54
